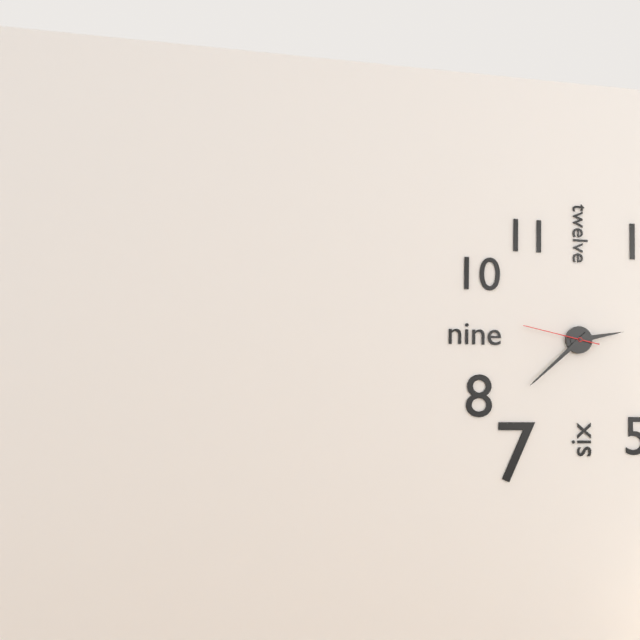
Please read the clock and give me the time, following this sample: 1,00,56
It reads 2,38,47
